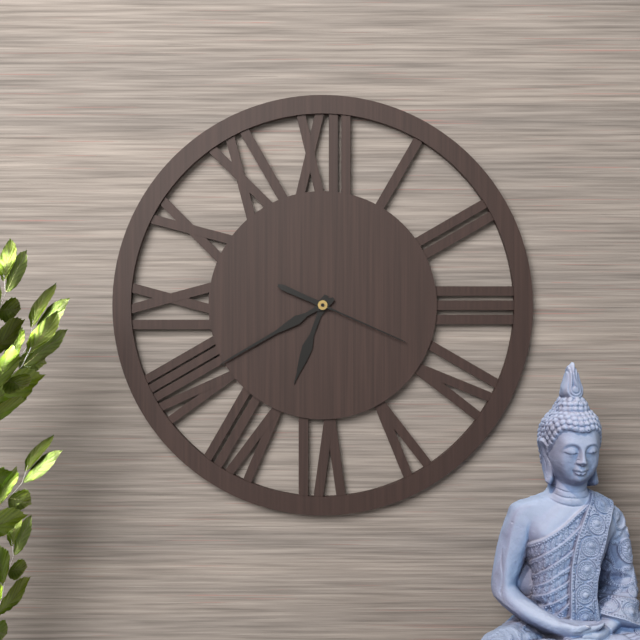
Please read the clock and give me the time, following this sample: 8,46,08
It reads 6,40,19
